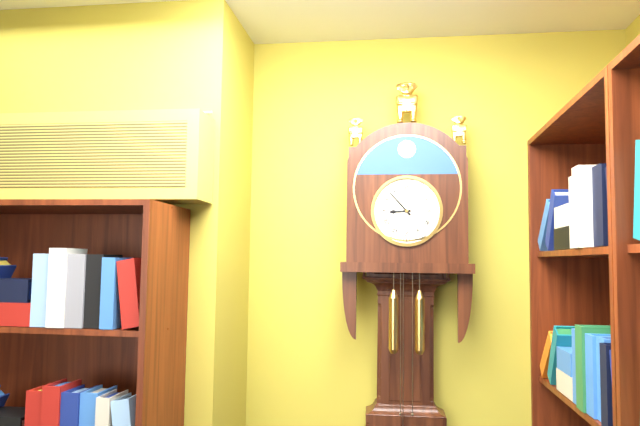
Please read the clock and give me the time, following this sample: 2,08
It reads 8,53
